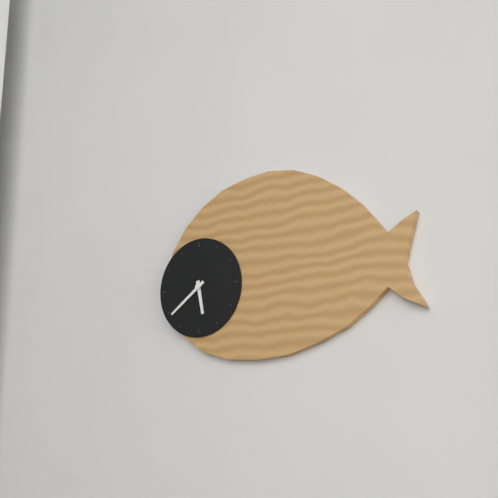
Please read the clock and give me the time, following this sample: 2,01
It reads 5,39
